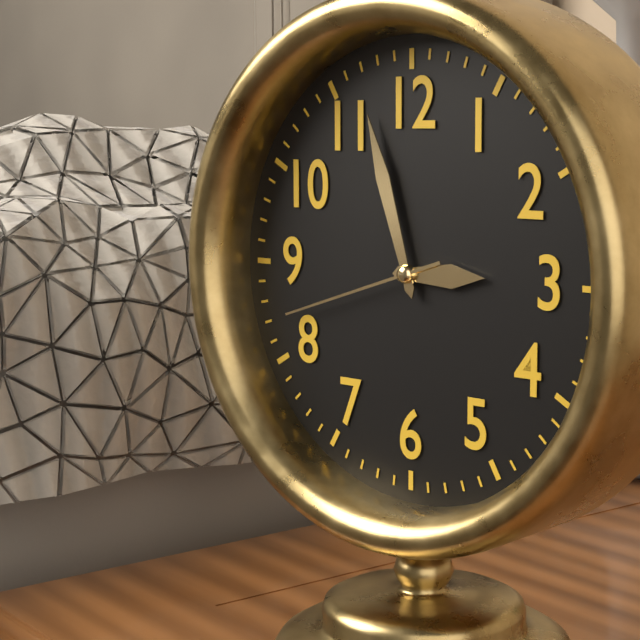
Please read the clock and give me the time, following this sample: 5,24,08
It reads 2,57,42
